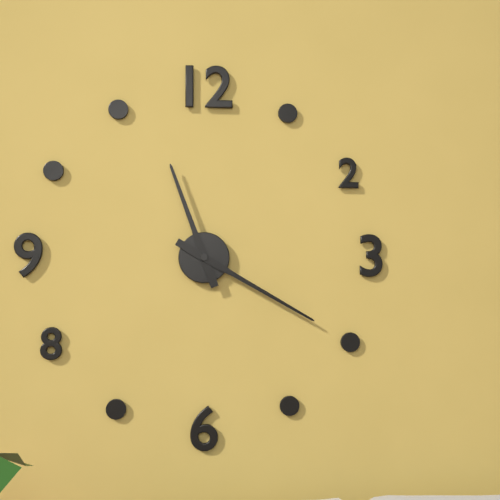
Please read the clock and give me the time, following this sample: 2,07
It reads 11,20
